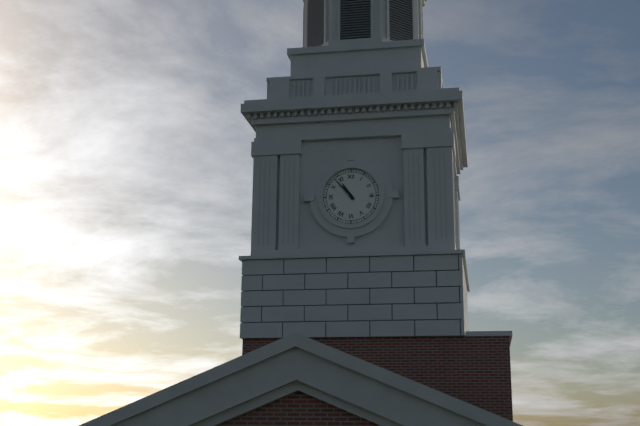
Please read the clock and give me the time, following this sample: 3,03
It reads 10,53
